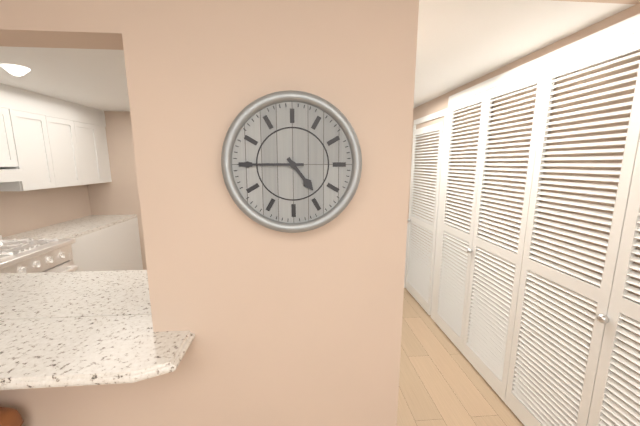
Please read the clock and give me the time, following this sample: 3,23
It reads 4,45
